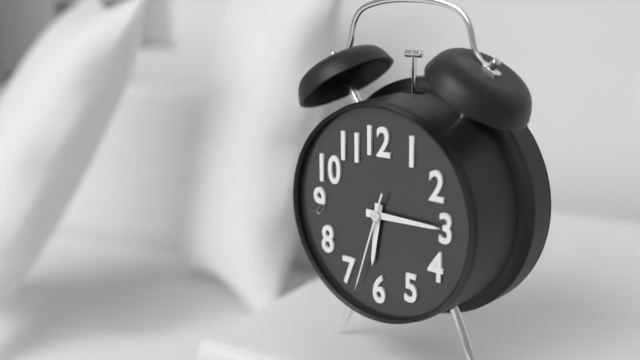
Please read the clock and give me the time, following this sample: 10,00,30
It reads 6,15,33
